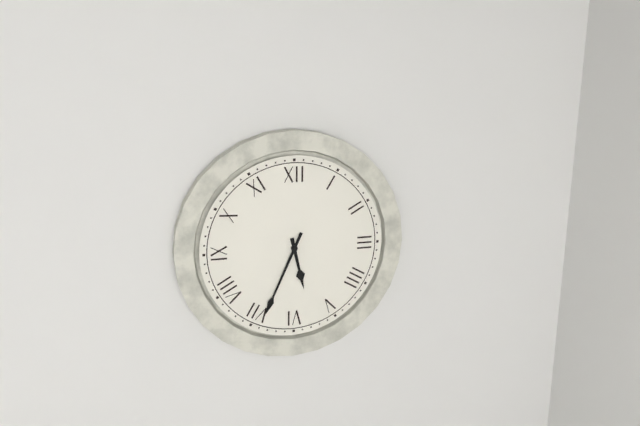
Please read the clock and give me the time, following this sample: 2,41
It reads 5,34
